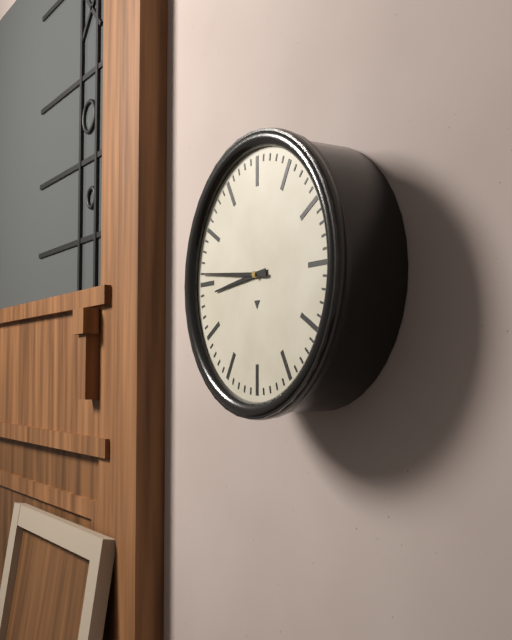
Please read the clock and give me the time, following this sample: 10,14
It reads 8,46
